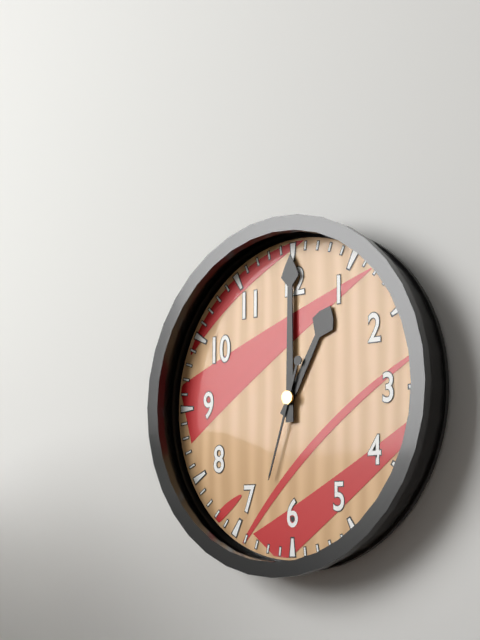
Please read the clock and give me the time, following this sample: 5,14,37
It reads 1,00,33
